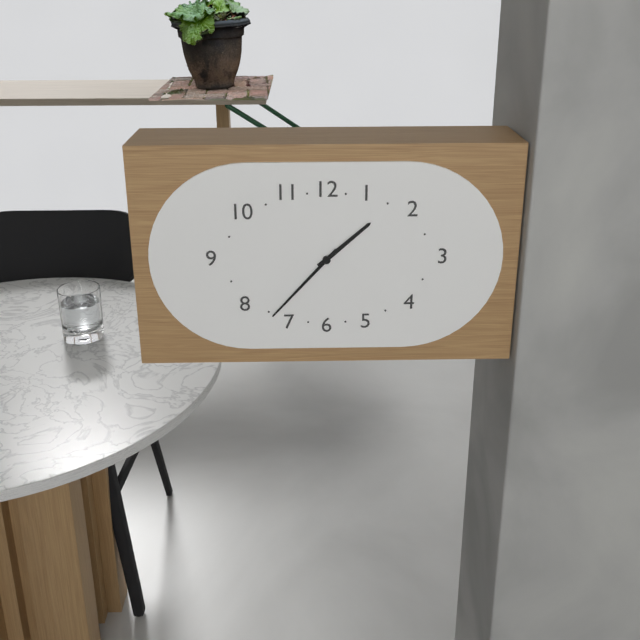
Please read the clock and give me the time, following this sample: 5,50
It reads 1,37
